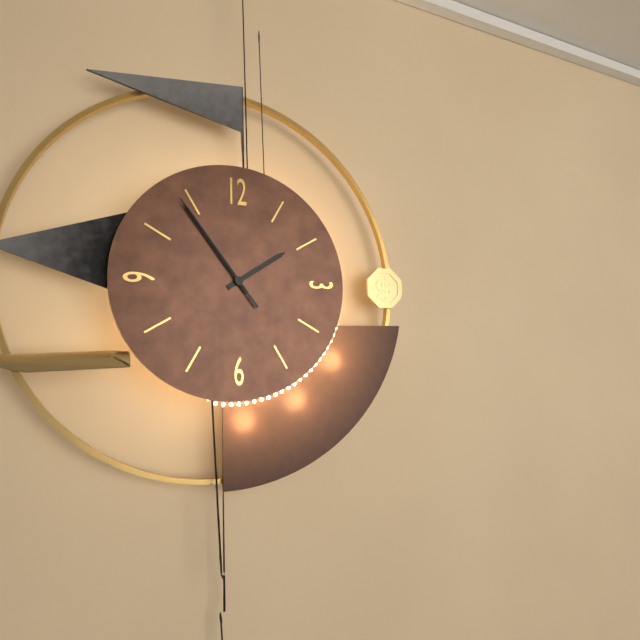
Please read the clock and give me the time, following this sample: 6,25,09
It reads 1,54,54
